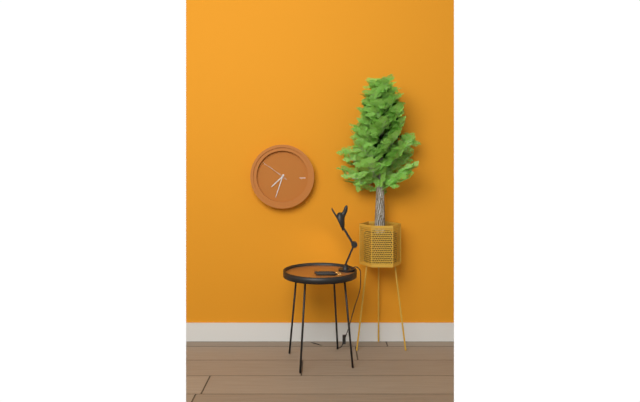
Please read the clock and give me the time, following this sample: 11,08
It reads 7,33
